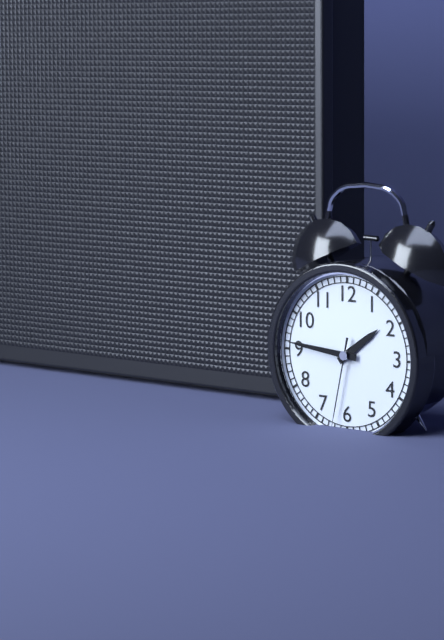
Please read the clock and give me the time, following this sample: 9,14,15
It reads 1,46,32
